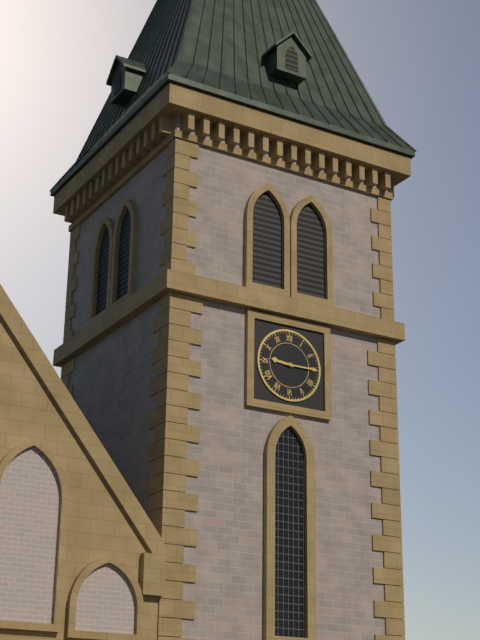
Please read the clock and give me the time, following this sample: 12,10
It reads 9,15
